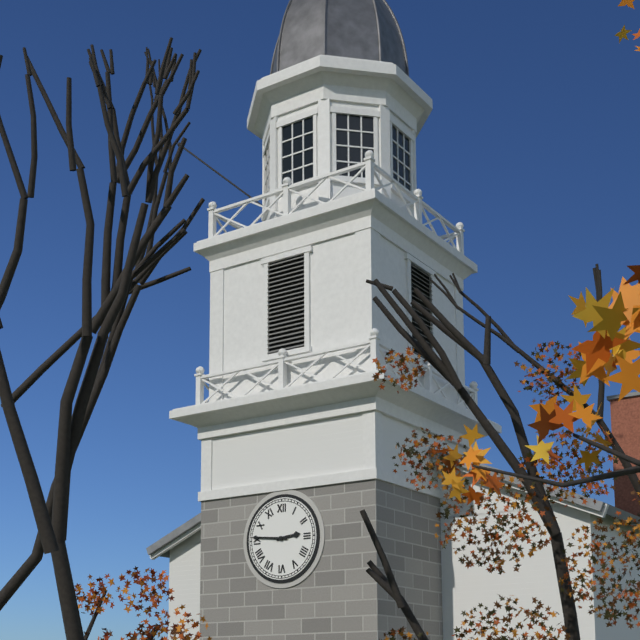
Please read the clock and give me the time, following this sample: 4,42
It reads 2,46
